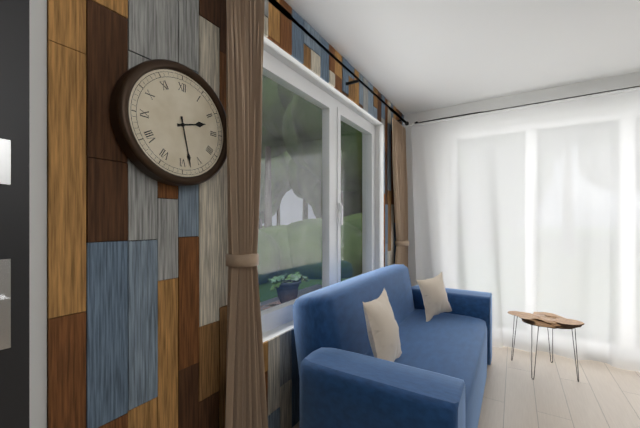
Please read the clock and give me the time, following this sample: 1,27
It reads 2,28
